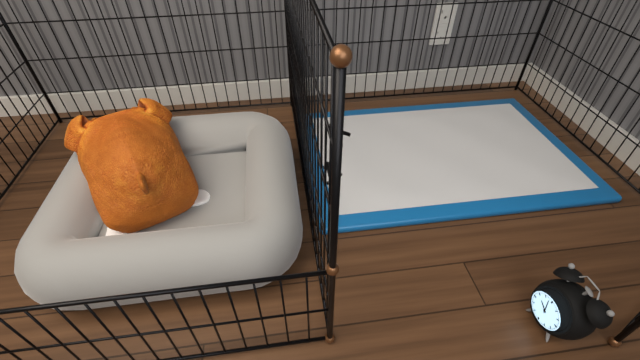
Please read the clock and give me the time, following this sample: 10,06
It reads 9,58
